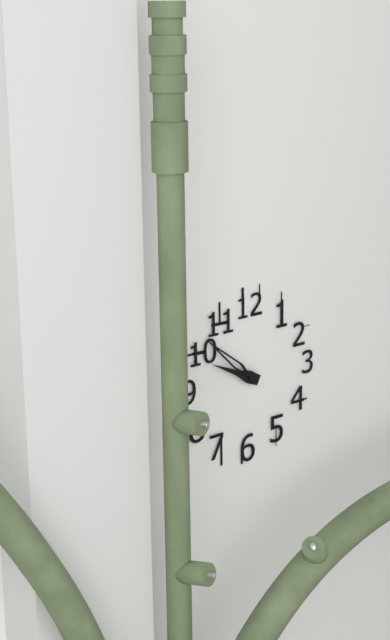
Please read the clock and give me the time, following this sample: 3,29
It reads 9,52
